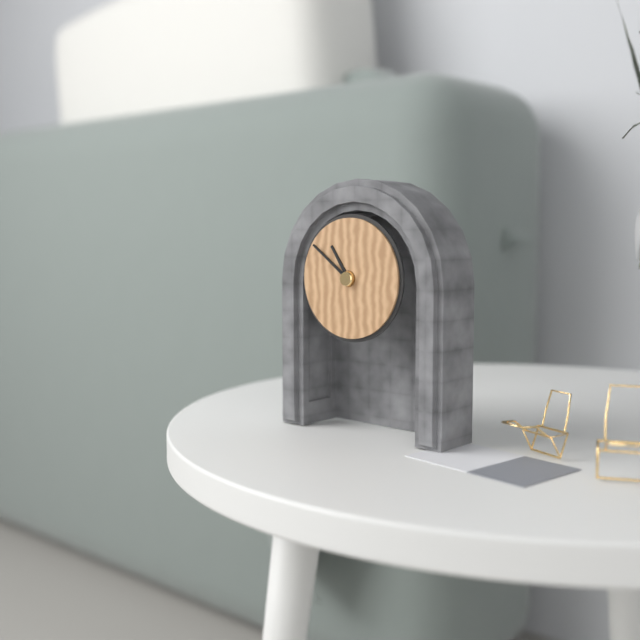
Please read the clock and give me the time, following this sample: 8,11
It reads 10,51
